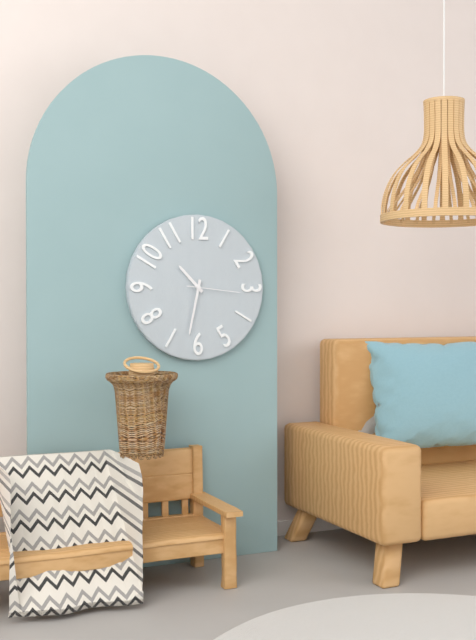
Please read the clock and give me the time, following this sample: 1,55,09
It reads 10,32,16
